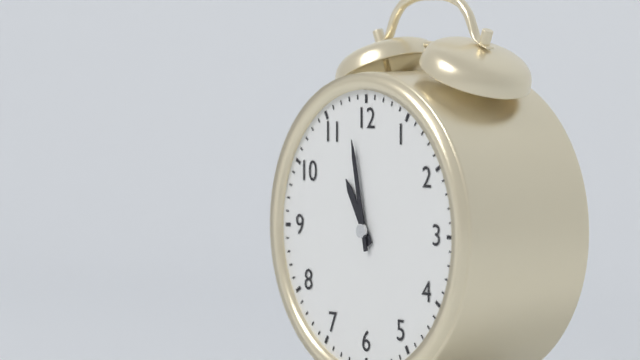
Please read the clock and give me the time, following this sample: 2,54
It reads 10,58
